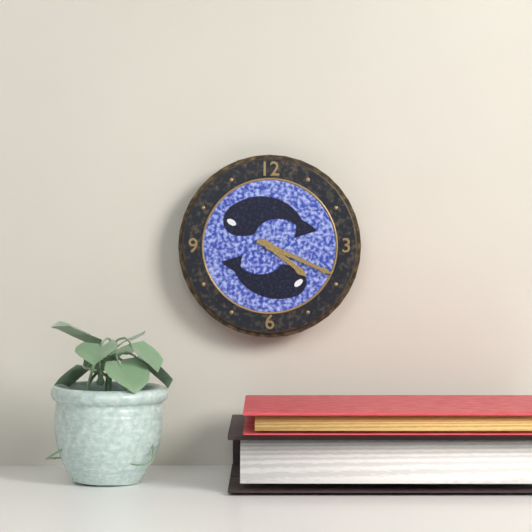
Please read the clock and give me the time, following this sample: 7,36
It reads 4,19
